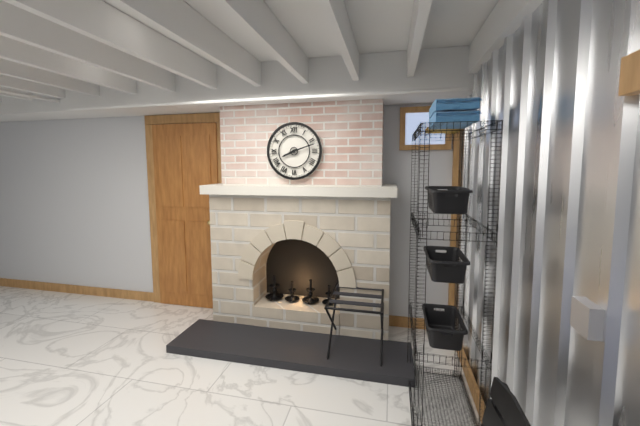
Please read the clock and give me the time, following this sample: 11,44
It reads 8,12
